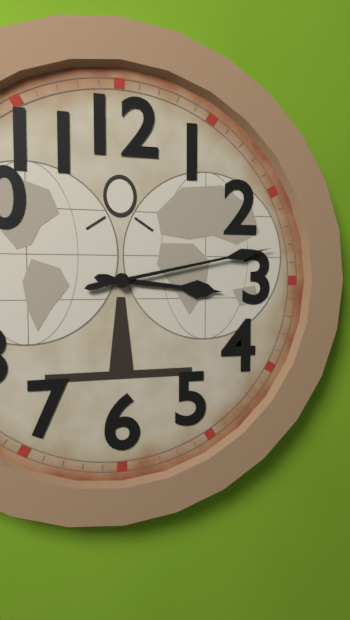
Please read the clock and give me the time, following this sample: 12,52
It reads 3,13
